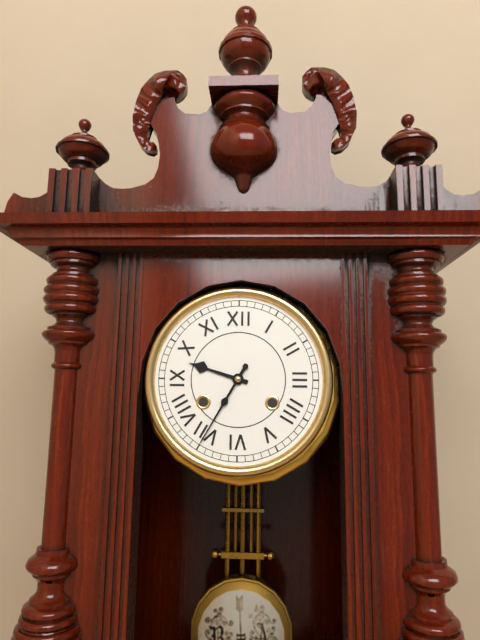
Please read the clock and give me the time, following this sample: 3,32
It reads 9,35
